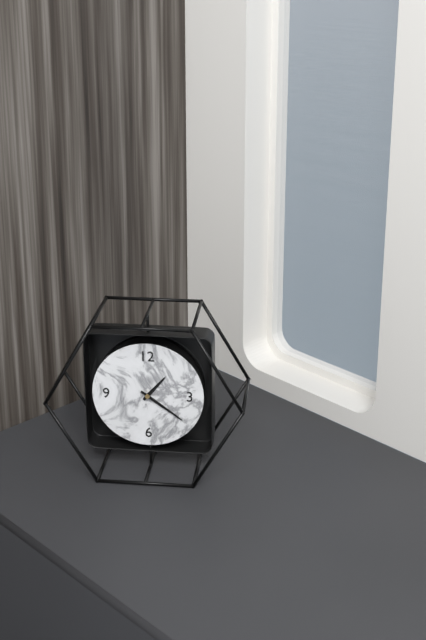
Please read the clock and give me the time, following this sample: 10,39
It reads 1,21
